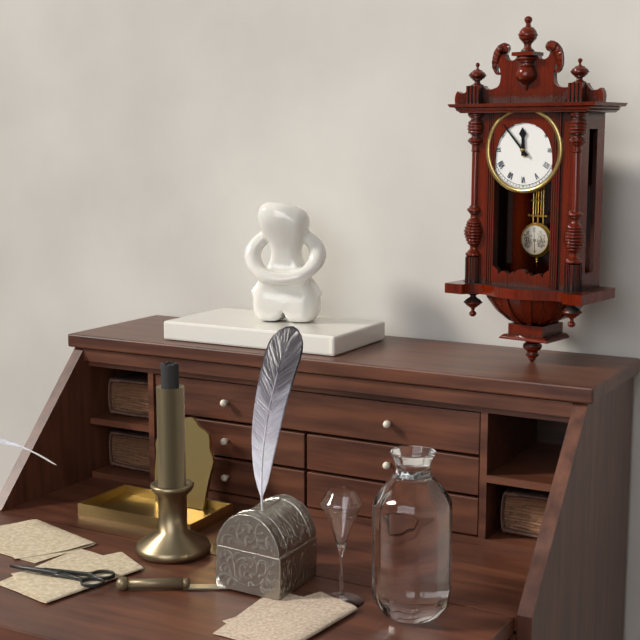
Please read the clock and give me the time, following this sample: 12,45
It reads 11,53
